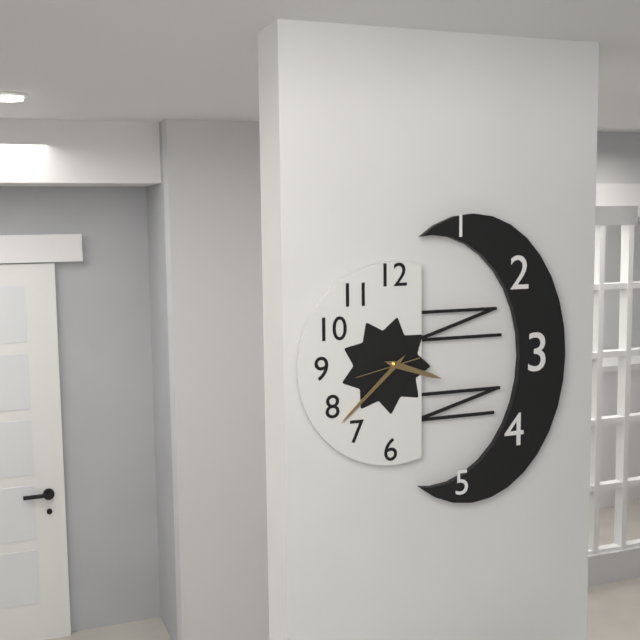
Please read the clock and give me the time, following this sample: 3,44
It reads 3,38
